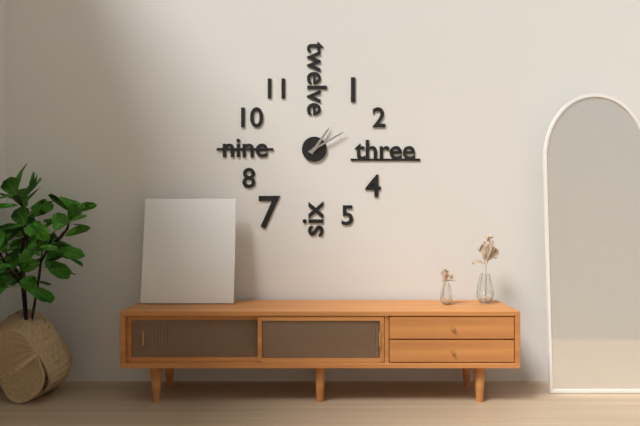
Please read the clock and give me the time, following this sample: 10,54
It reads 1,10
